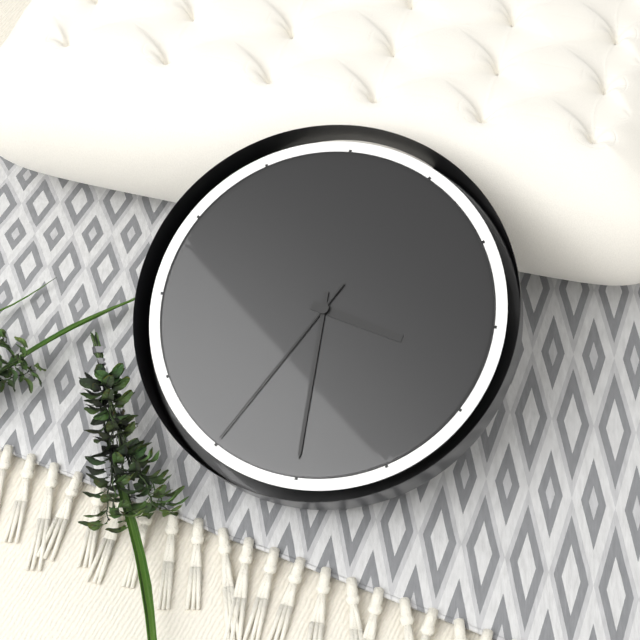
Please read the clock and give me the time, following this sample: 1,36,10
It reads 3,30,35
